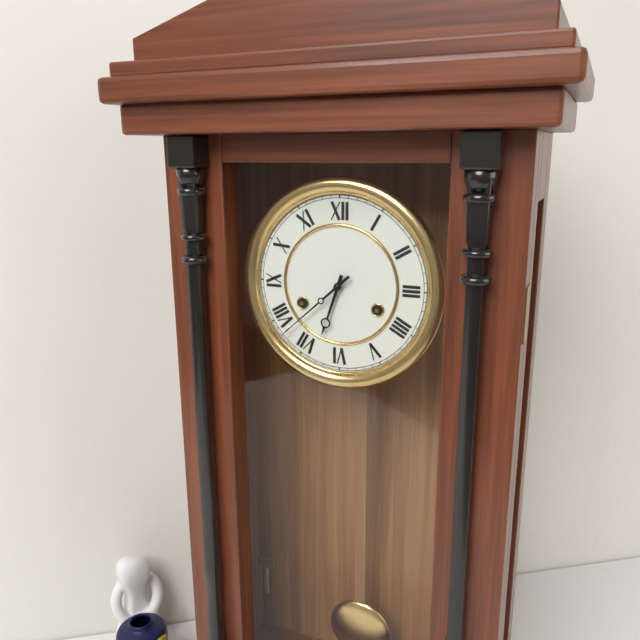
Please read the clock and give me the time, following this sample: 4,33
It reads 6,38
